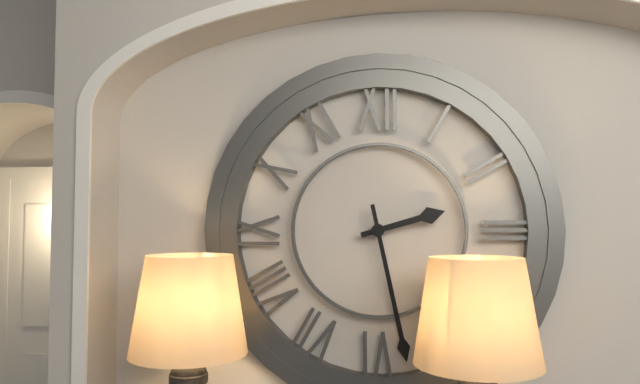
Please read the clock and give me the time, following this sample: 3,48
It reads 2,28
